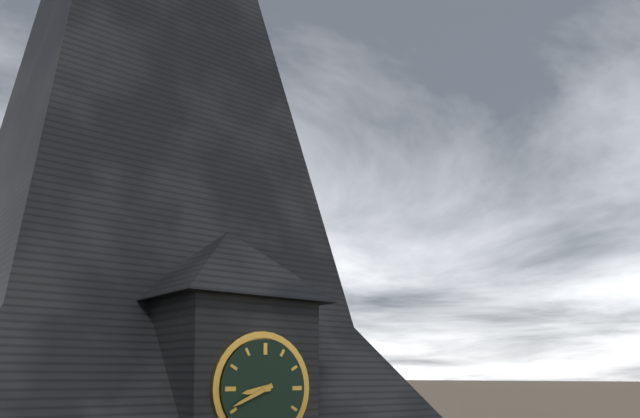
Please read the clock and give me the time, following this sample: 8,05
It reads 8,41
